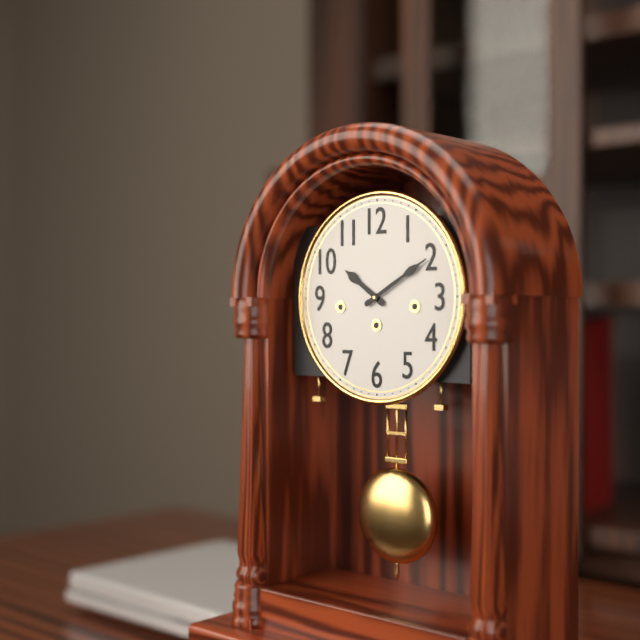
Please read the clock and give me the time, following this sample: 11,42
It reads 10,10
